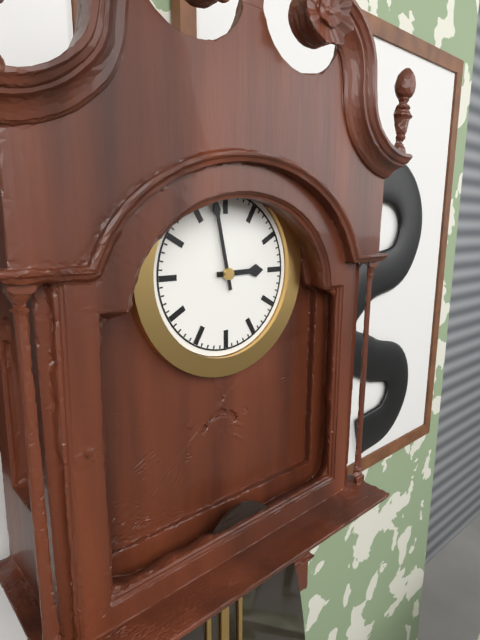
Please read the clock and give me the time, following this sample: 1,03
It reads 2,58
